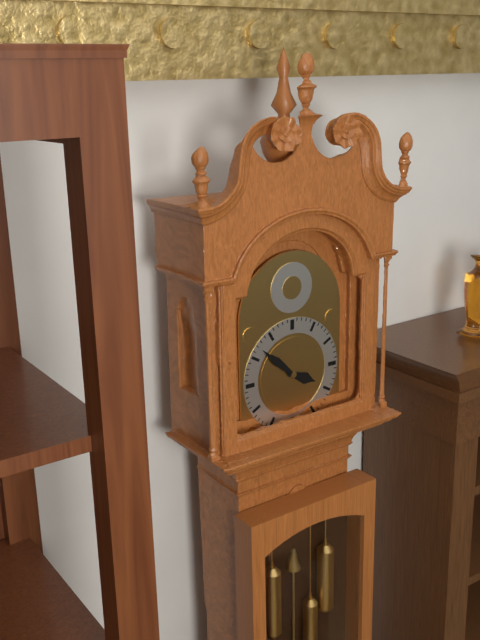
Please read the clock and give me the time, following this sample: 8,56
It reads 3,52
